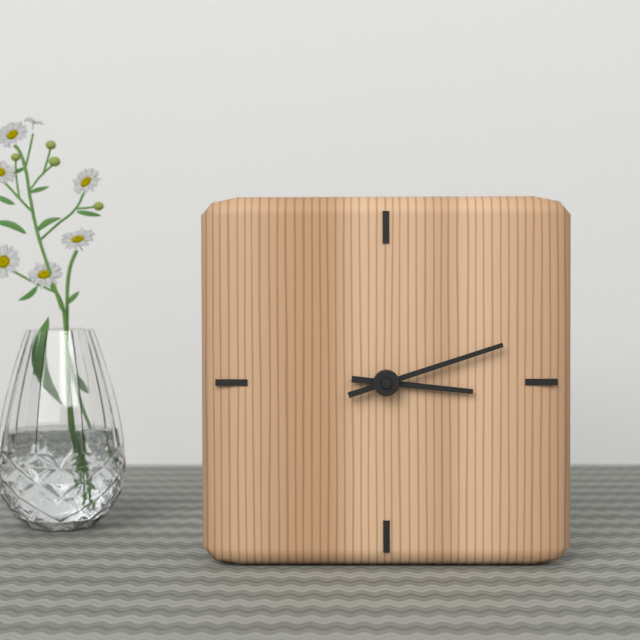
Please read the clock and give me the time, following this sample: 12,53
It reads 3,12
